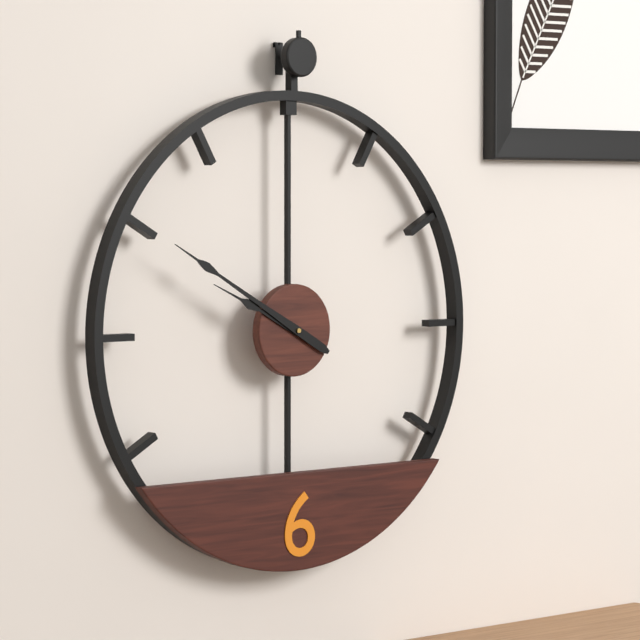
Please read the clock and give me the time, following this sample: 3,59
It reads 9,50
